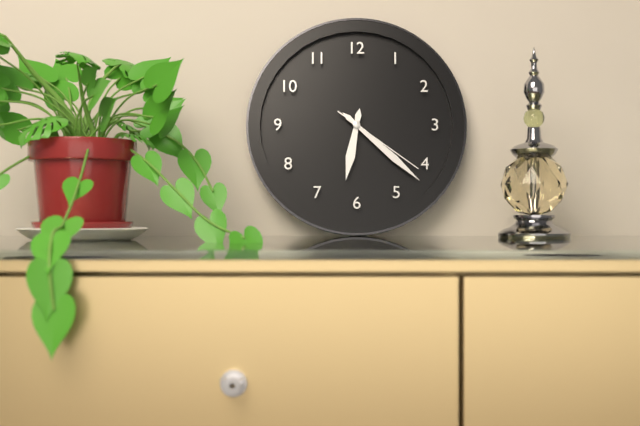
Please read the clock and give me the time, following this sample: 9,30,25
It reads 6,22,21
